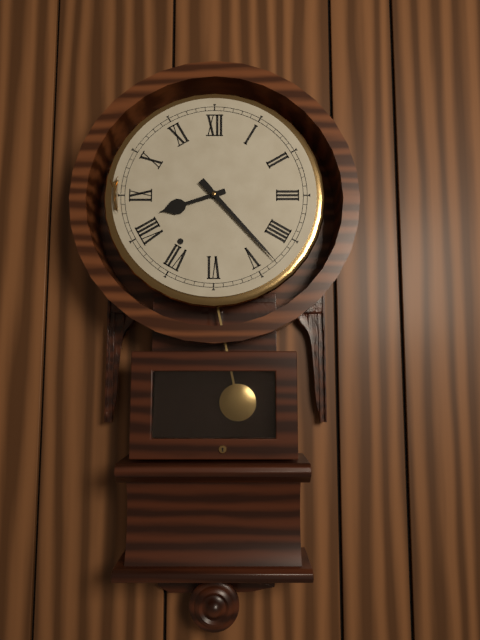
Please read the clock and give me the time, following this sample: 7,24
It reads 8,23
